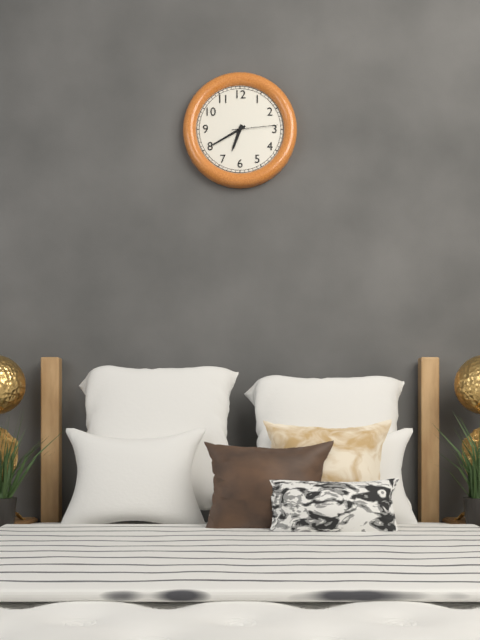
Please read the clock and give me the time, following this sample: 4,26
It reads 6,40
